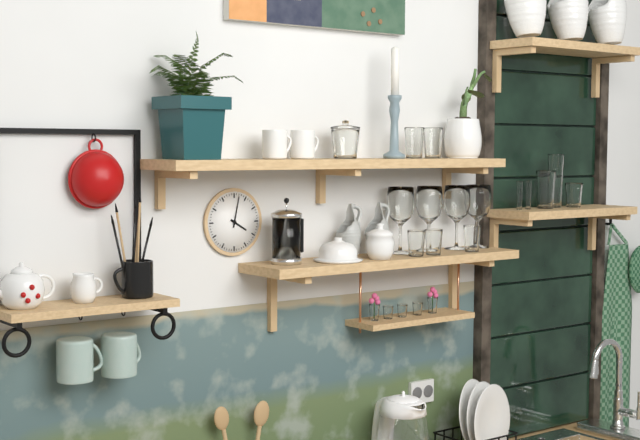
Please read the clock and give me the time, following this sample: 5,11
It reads 4,02
